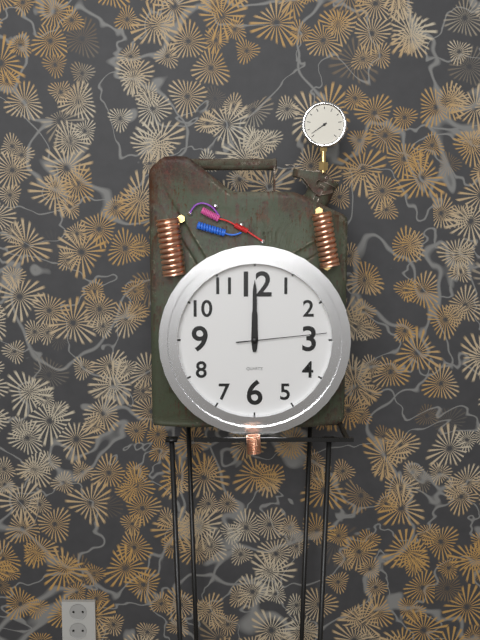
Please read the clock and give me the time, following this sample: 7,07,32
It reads 12,00,14
